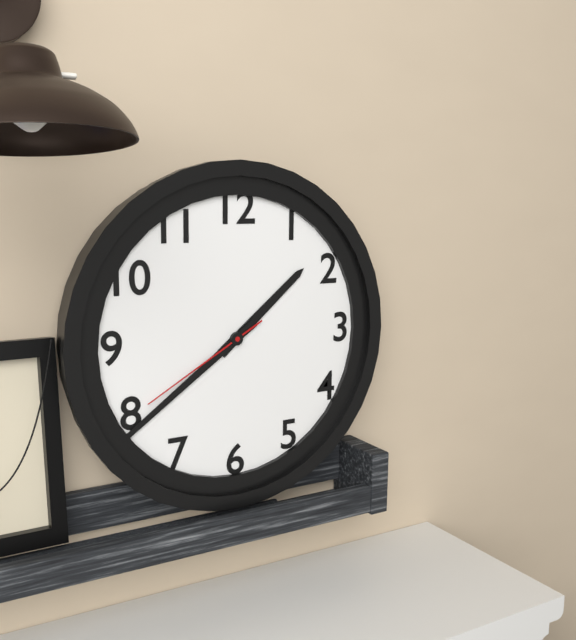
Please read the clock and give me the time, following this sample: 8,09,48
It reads 1,39,40
